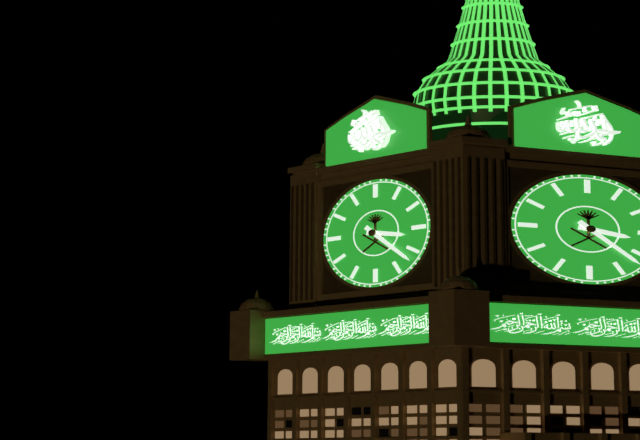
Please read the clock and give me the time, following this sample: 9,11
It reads 3,22
